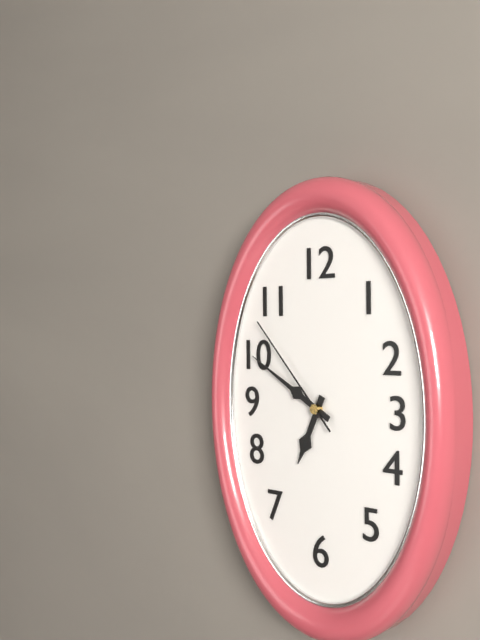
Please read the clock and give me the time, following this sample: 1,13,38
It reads 6,50,53
